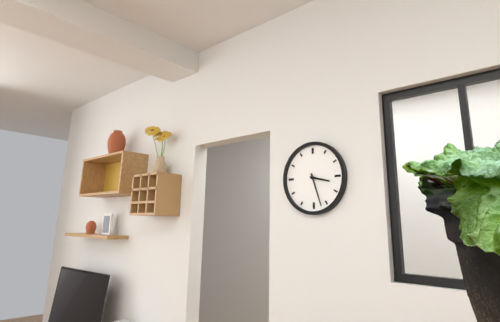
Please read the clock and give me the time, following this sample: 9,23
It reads 3,27
